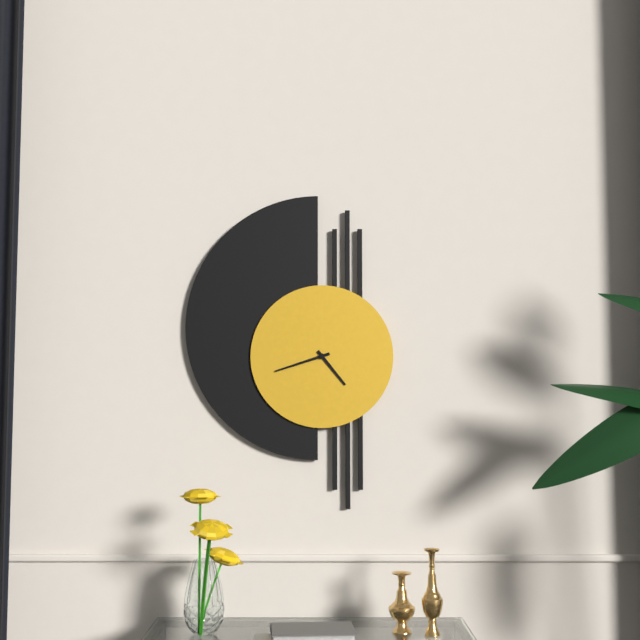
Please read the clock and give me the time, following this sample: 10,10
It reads 4,42
